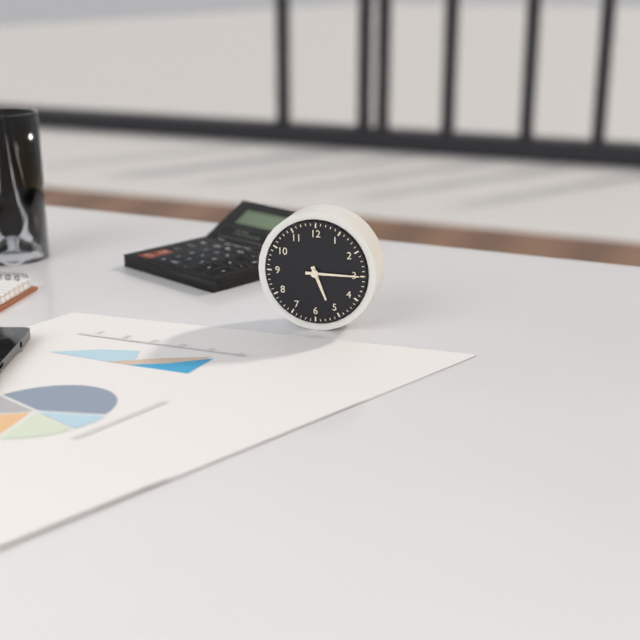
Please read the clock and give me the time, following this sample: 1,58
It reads 5,15
